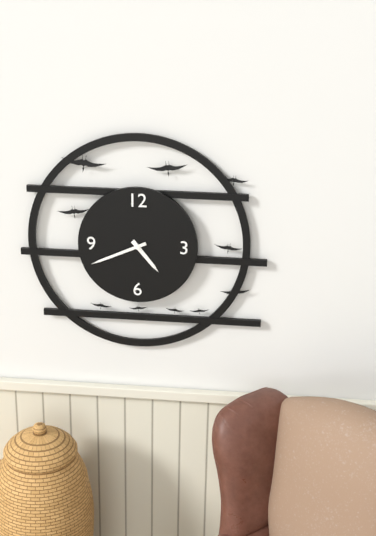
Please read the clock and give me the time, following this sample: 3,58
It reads 4,41
